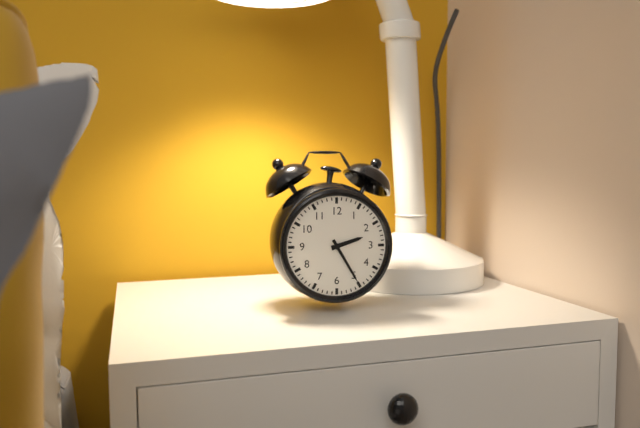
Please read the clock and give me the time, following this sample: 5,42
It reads 2,25
